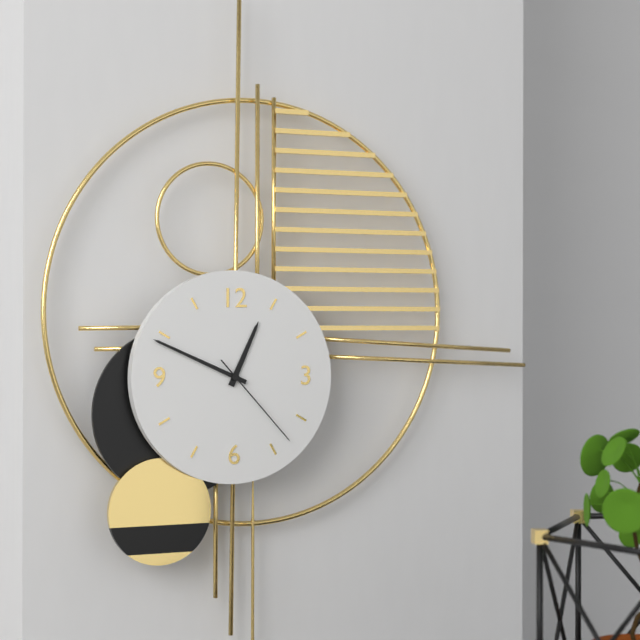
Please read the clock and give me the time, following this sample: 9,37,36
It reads 12,49,23
